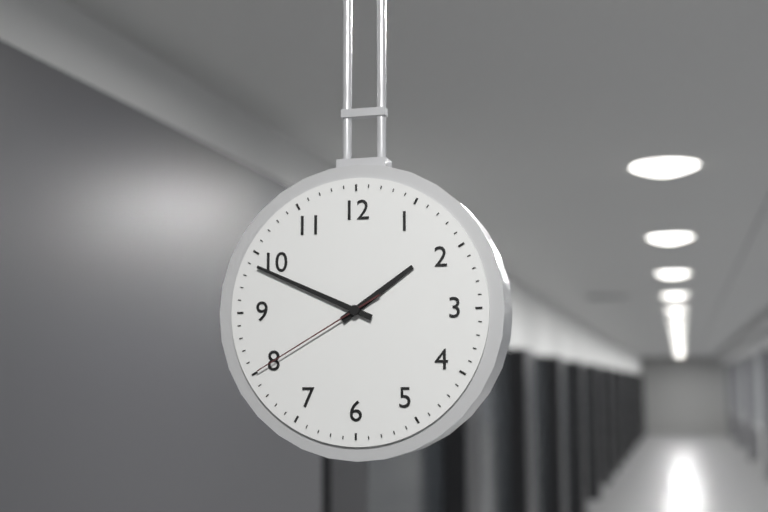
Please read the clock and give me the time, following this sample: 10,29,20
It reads 1,49,40
